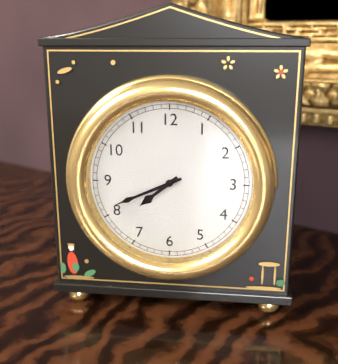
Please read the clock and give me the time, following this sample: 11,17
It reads 7,41
